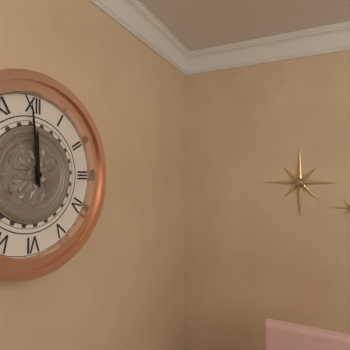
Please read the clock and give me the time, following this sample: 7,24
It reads 11,59
